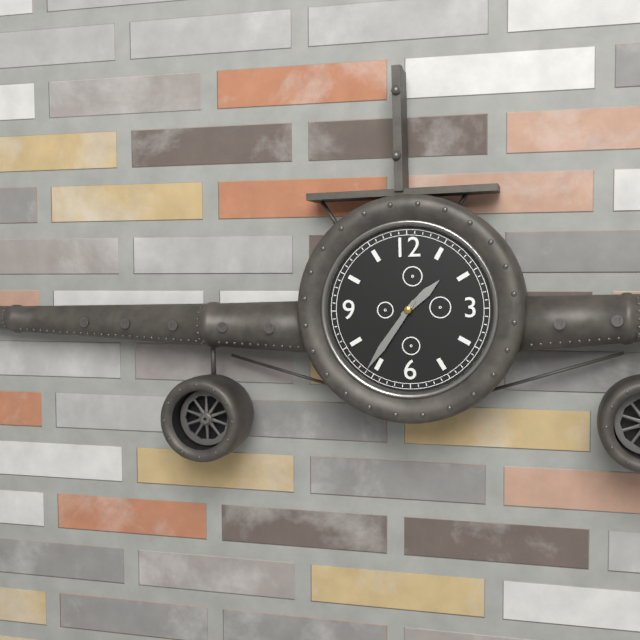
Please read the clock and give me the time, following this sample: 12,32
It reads 1,36
